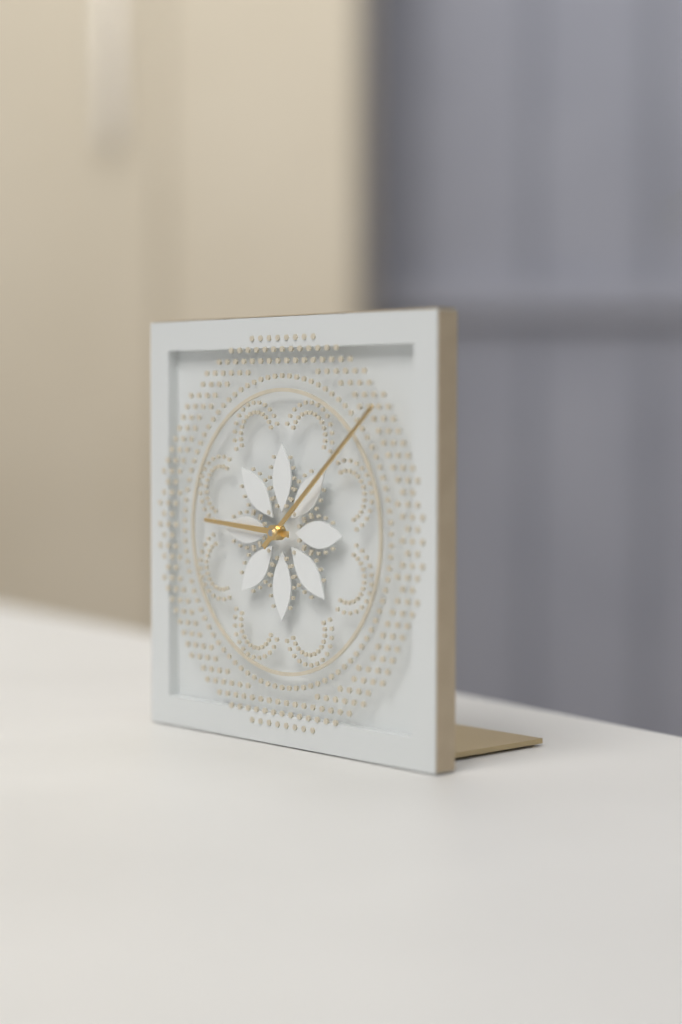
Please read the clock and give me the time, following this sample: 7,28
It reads 9,08
